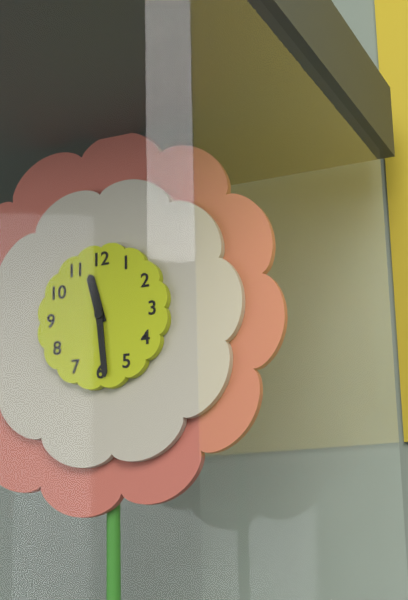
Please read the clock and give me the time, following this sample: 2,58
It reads 11,29
